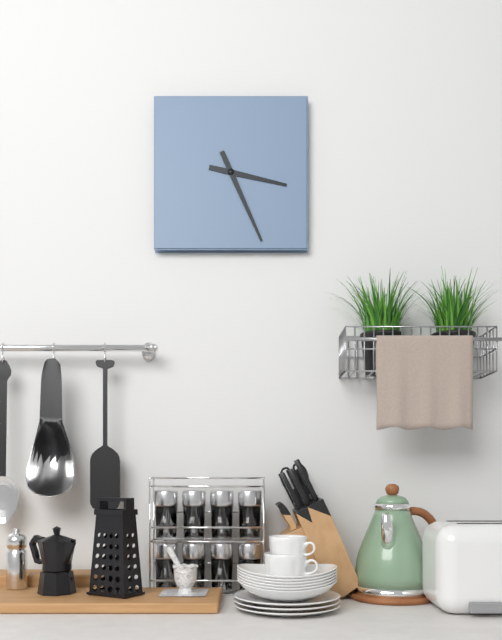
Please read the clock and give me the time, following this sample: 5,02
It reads 3,26
